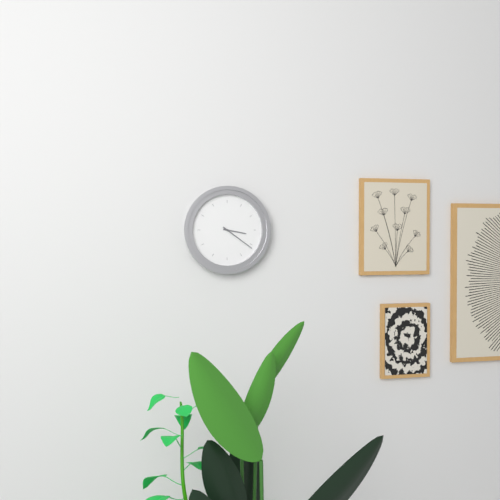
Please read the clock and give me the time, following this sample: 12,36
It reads 3,21
